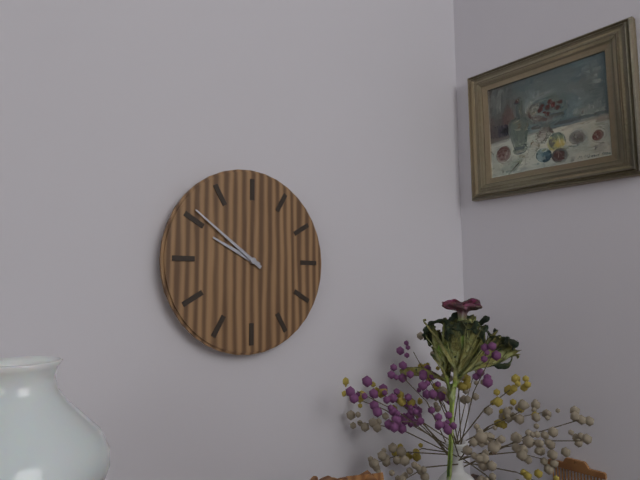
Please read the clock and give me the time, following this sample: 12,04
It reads 9,51
